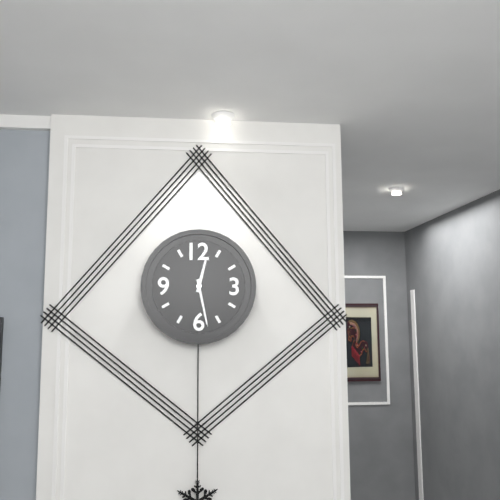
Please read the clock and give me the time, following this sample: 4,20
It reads 12,28
